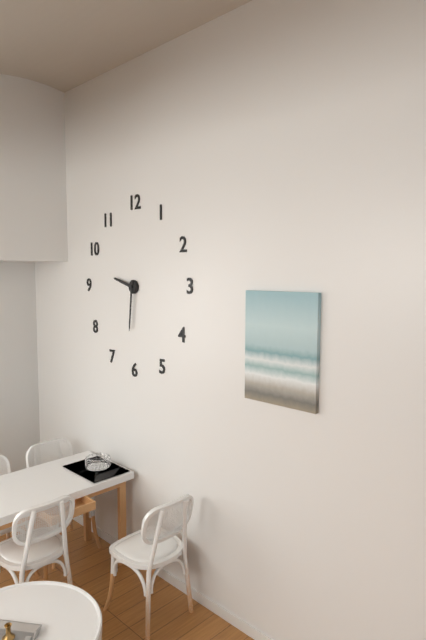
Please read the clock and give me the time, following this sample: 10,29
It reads 9,31
